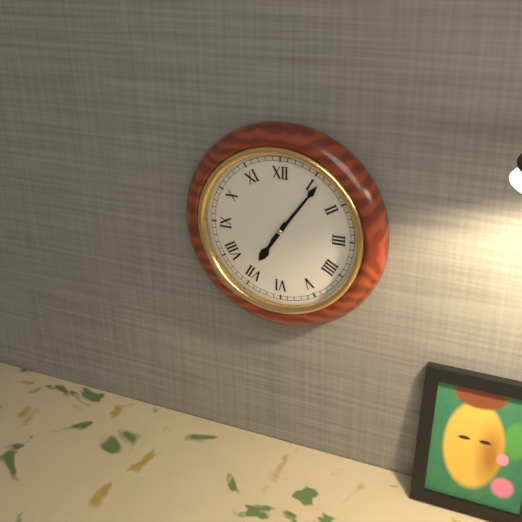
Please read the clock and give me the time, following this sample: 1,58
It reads 7,06
